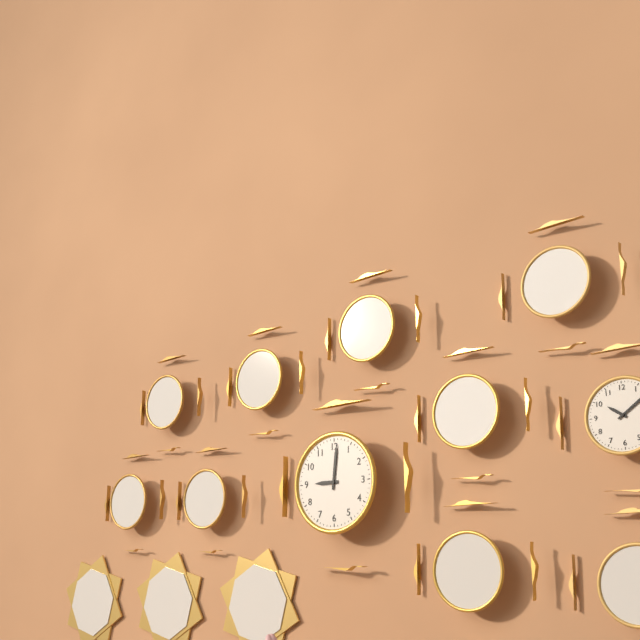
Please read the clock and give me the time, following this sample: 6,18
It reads 9,01
